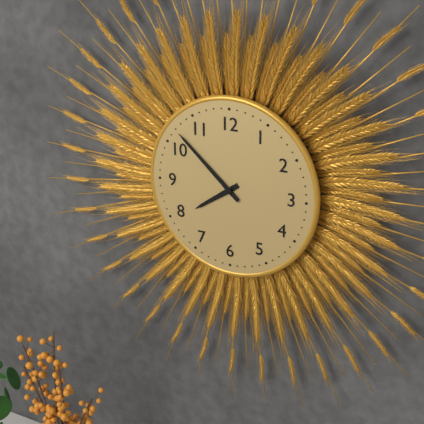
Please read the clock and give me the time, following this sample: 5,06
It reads 7,52
